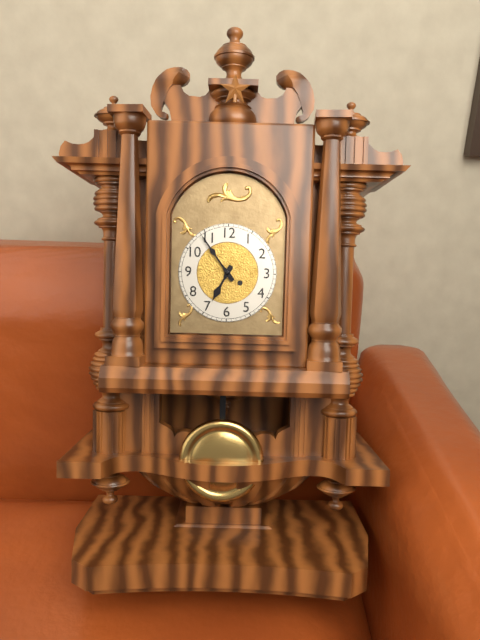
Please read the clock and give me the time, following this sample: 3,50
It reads 6,54
